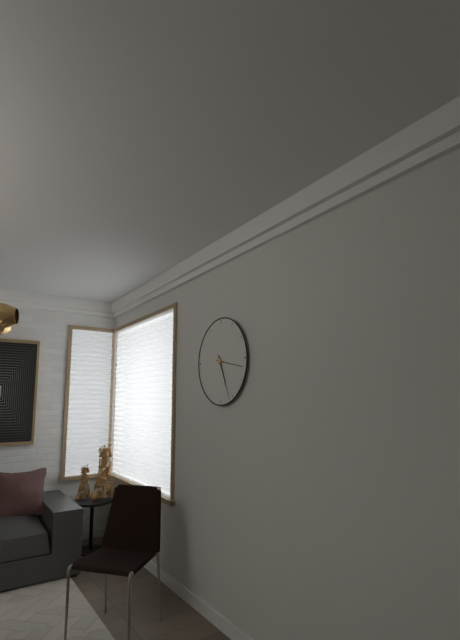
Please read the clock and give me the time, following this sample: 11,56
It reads 5,17
